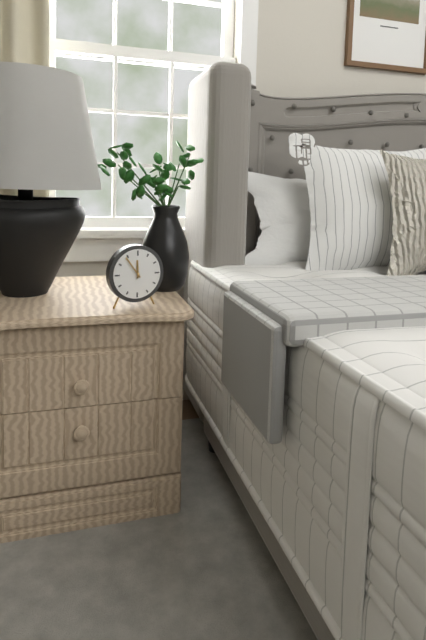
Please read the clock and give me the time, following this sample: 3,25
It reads 11,54
